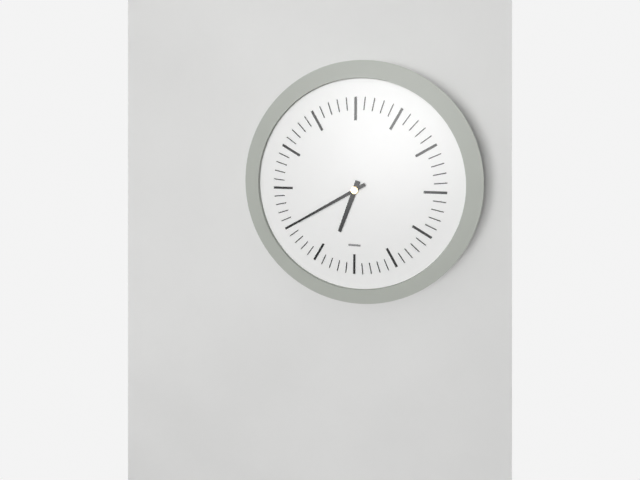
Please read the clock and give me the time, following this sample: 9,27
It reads 6,40
